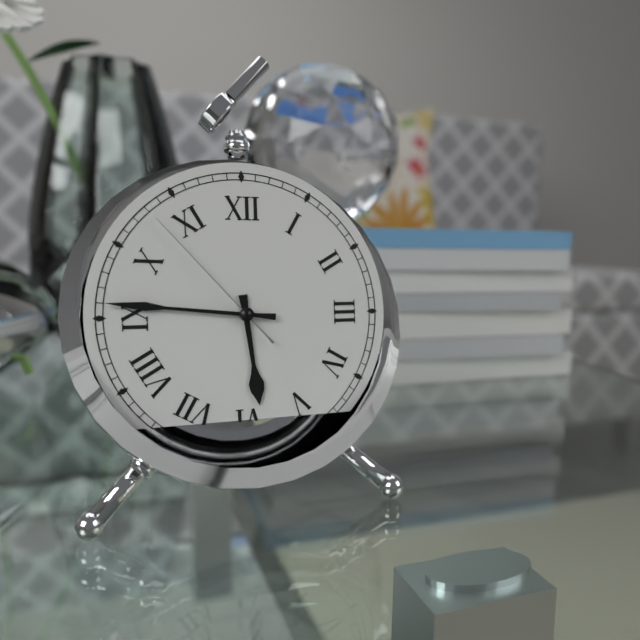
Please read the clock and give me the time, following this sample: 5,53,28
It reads 5,46,53
